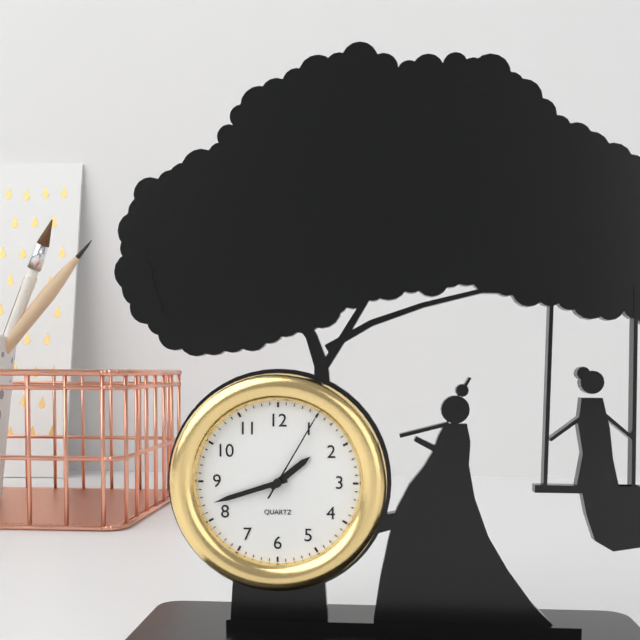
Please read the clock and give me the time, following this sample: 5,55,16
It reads 1,42,05
